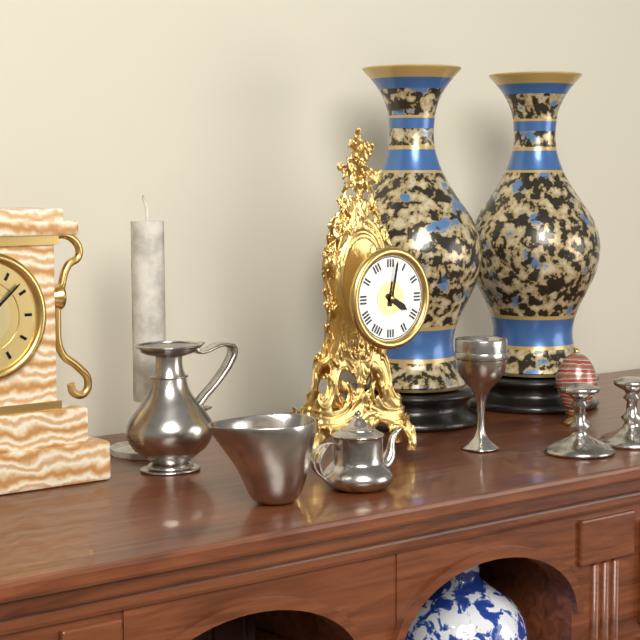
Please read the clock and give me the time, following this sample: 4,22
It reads 4,02
